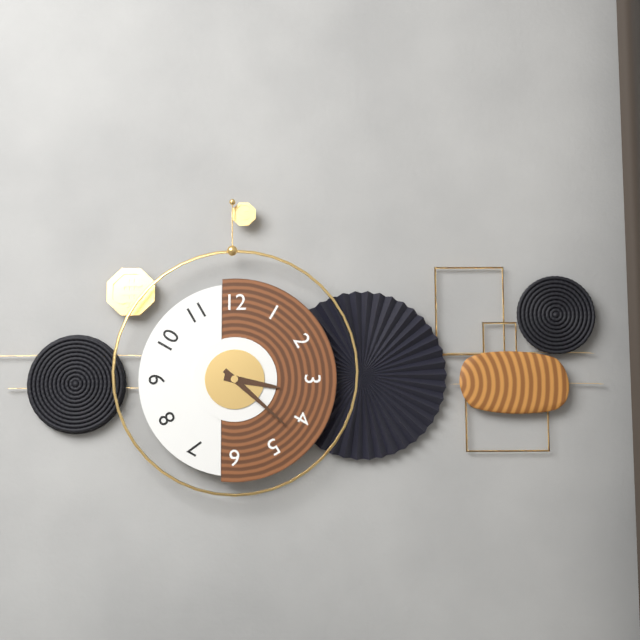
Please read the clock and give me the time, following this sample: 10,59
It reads 3,22
